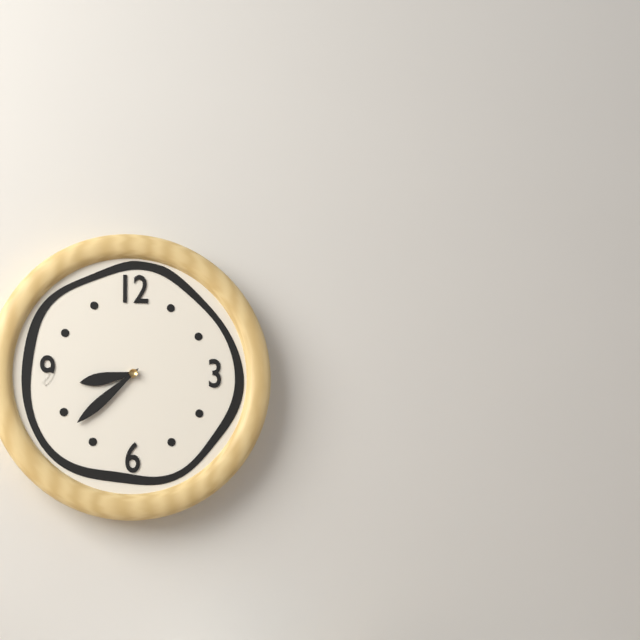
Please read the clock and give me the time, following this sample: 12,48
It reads 8,38
